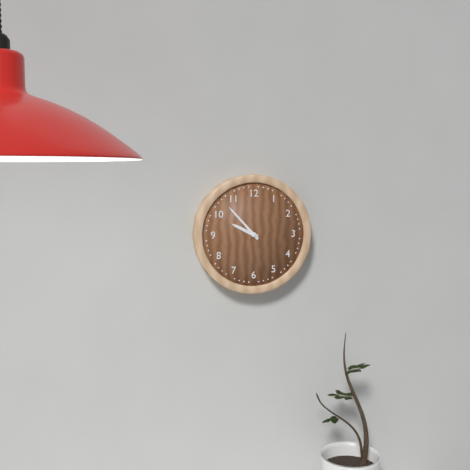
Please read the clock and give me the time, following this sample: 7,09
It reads 9,53
